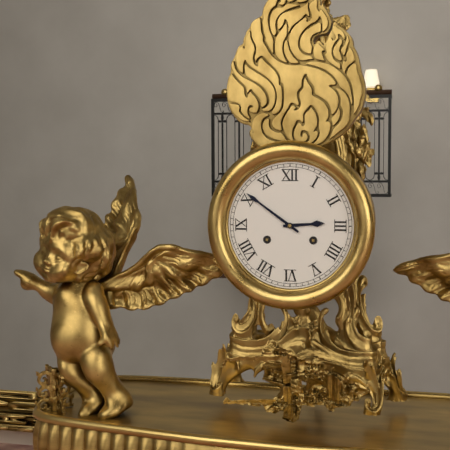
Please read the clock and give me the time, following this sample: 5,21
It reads 2,51
